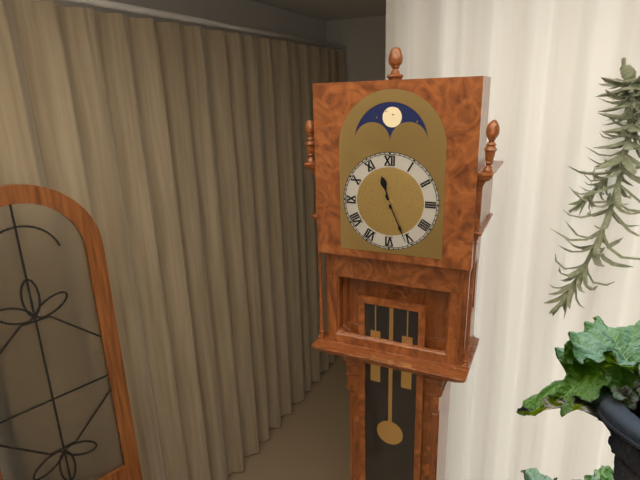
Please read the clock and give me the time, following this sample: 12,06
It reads 11,26
